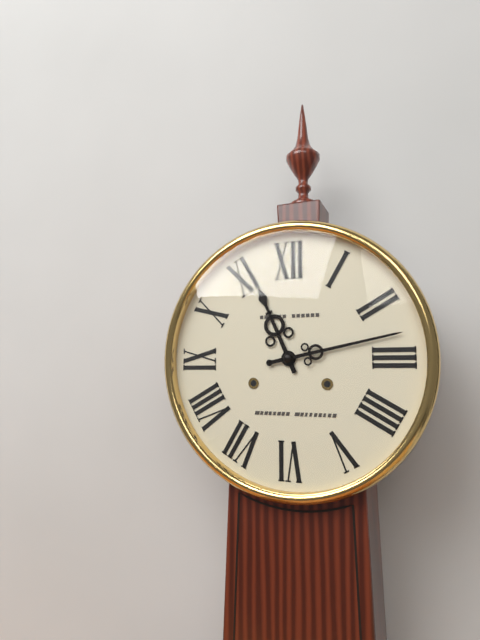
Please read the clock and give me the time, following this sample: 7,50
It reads 11,13
